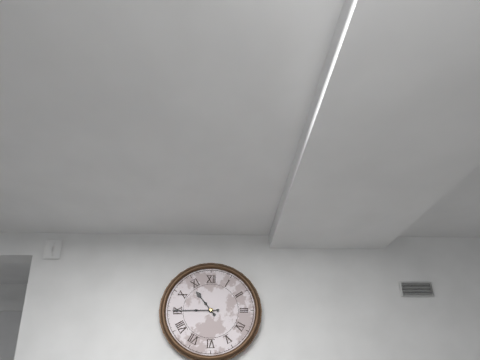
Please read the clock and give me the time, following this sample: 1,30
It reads 10,45
